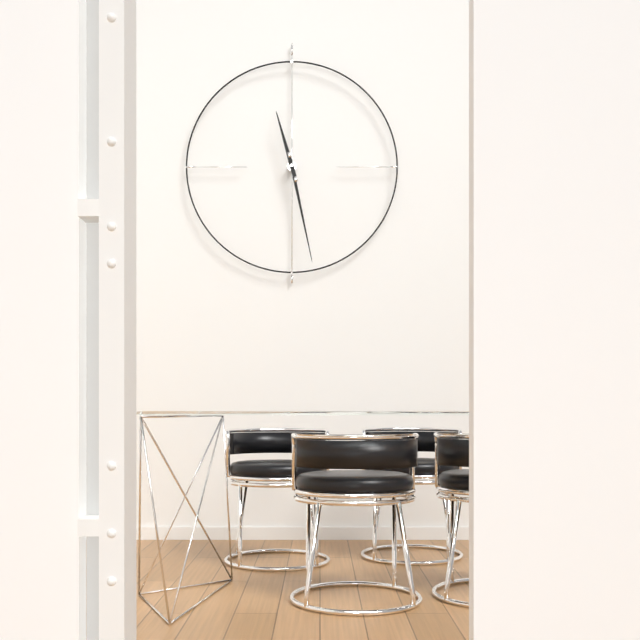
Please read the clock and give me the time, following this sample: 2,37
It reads 11,28
